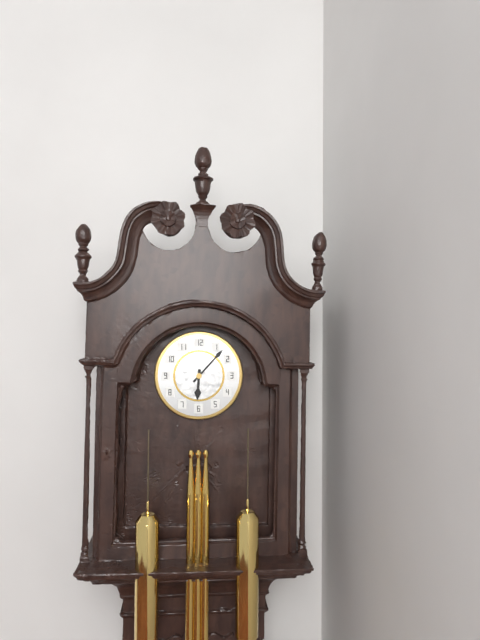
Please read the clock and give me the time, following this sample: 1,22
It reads 6,07
